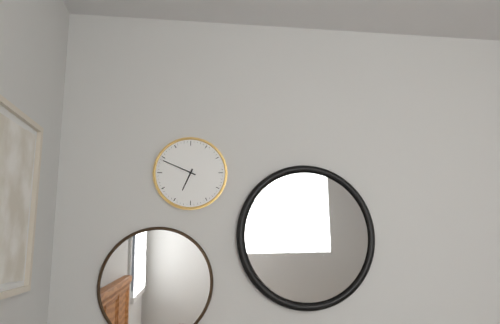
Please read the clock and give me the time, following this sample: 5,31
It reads 6,49
